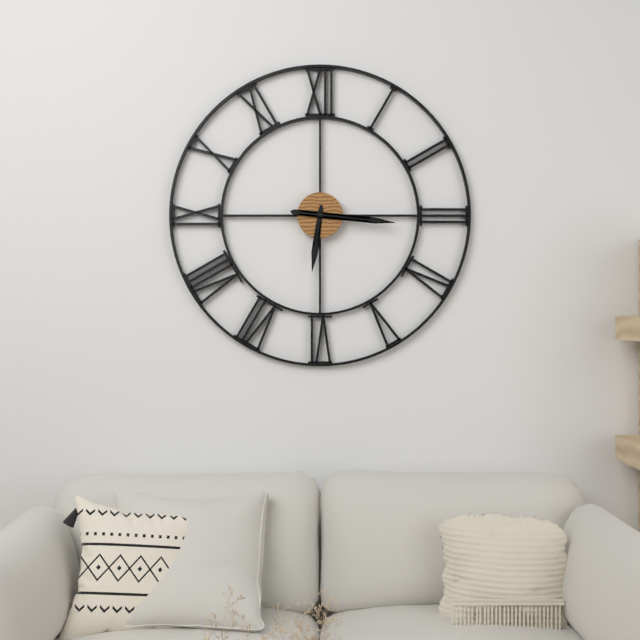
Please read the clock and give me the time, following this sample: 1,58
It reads 6,16
